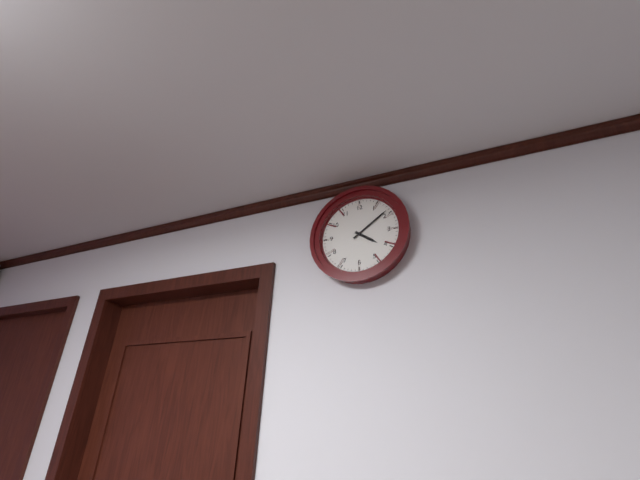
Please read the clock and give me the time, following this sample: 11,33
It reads 4,09
